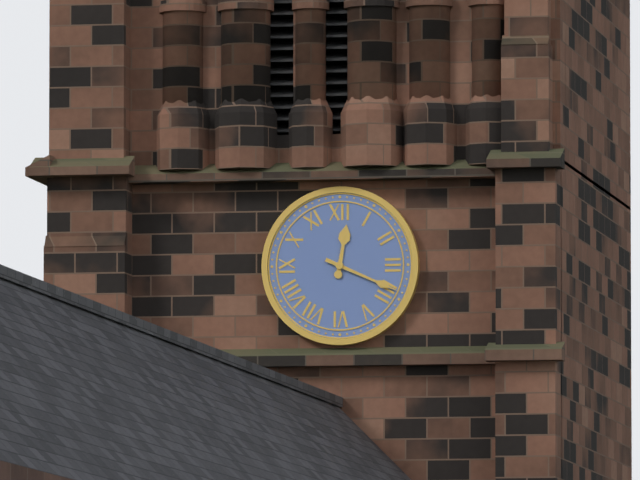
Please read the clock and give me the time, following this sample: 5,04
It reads 12,19
